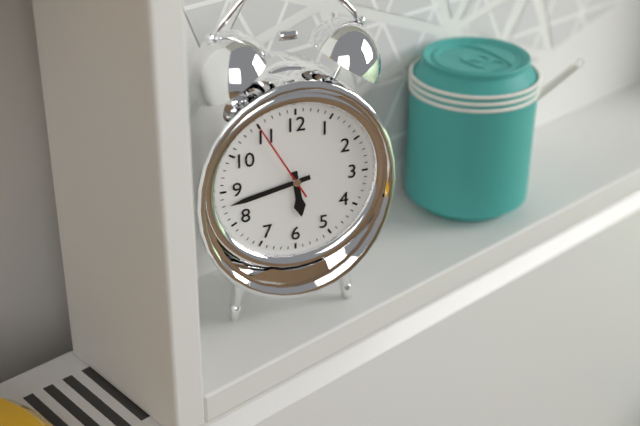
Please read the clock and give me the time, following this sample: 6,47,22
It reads 5,43,55
